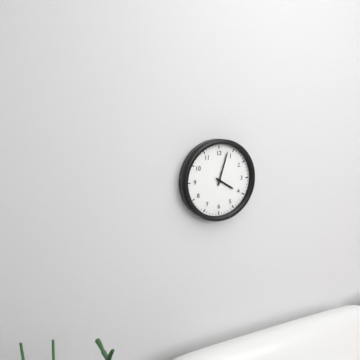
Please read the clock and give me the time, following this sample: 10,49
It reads 4,03
